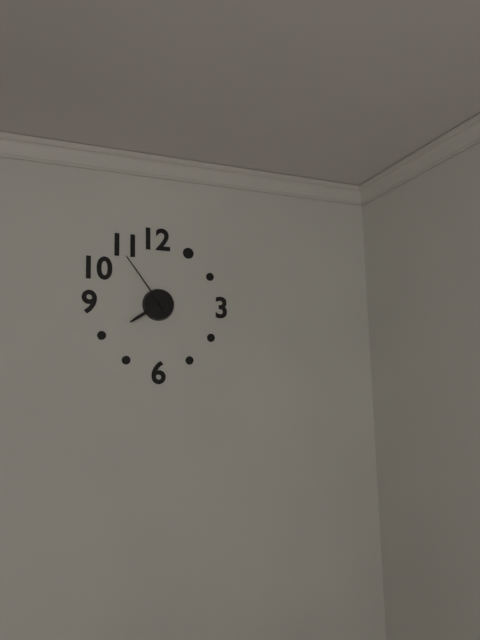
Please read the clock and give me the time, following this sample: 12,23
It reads 7,54
